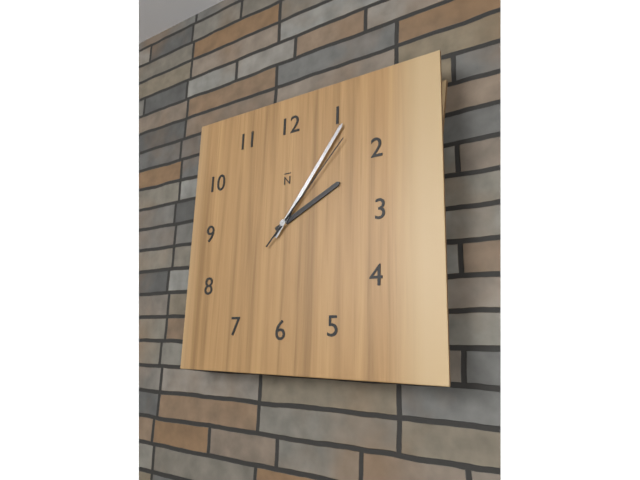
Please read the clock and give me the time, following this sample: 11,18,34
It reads 2,06,07
